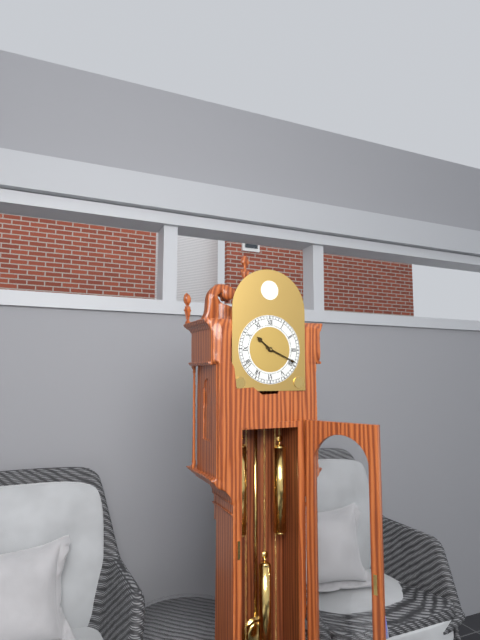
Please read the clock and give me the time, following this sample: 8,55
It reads 10,19
